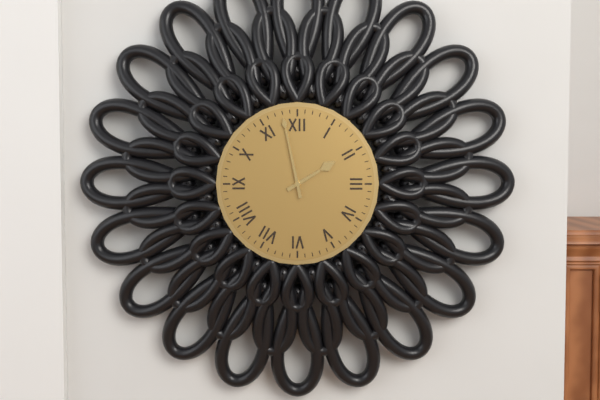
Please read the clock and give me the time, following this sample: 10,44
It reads 1,58
